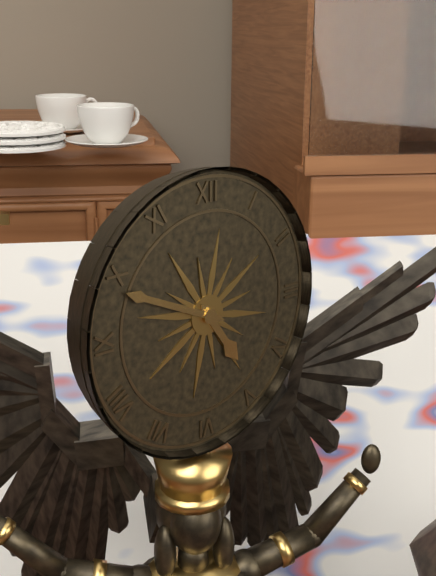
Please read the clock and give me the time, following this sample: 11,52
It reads 4,49
